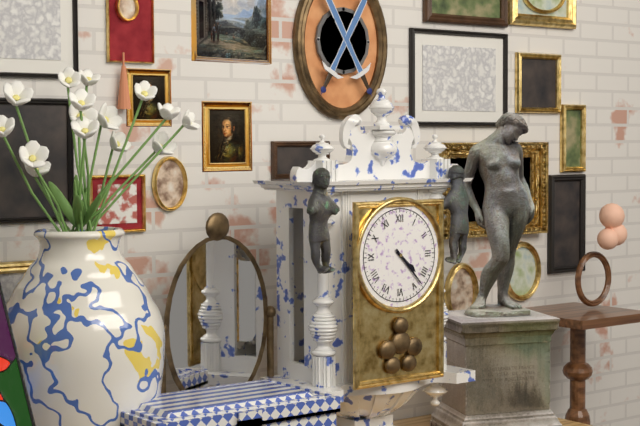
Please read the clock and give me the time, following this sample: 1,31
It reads 4,23
